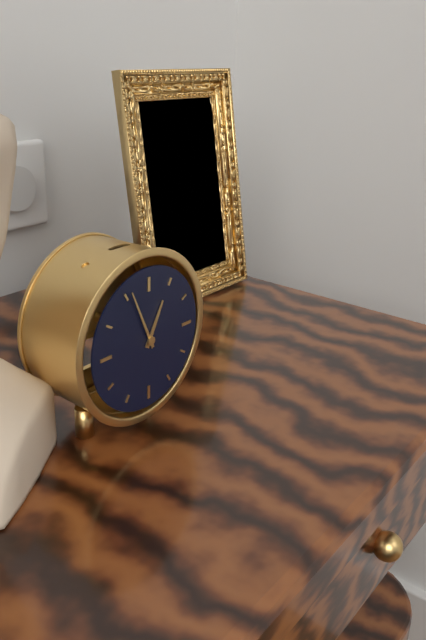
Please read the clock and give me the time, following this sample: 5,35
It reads 12,56
